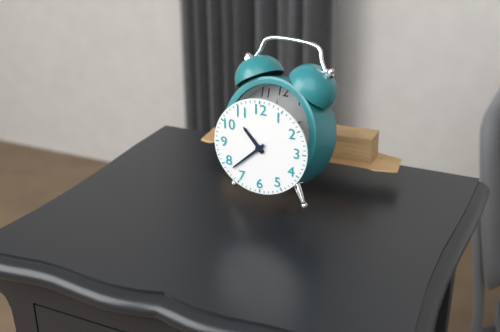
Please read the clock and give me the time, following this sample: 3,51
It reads 10,38
